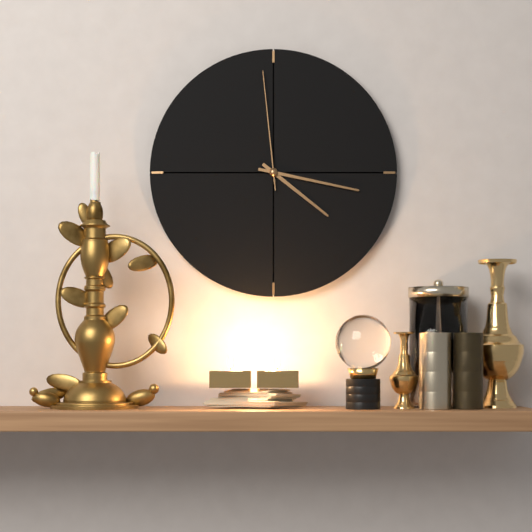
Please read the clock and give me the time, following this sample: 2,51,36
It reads 4,17,59
